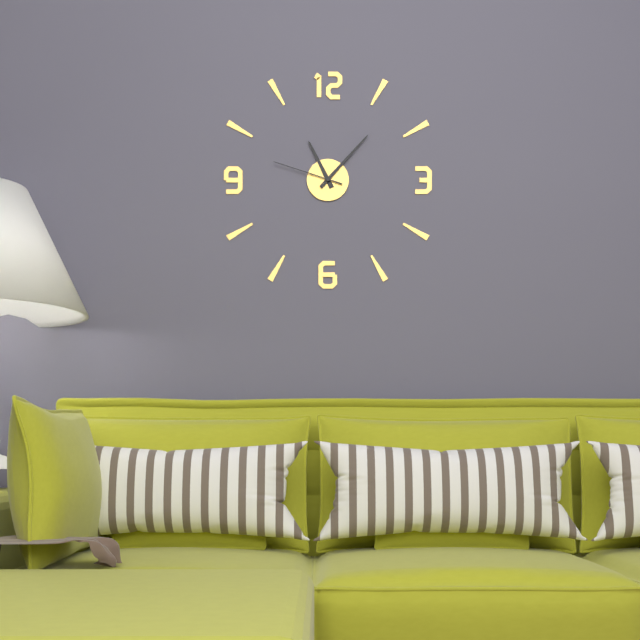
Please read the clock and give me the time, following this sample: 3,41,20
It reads 11,07,48
